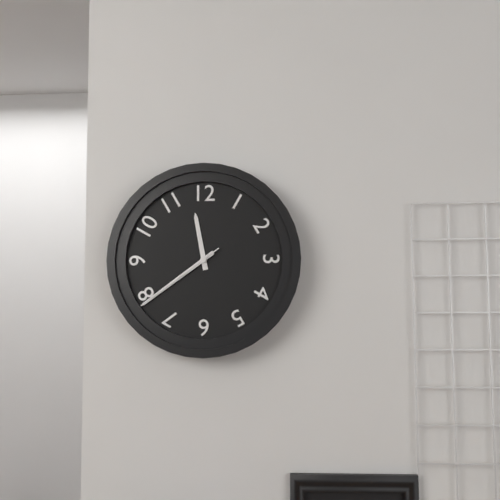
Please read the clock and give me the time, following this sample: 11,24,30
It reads 11,39,39
